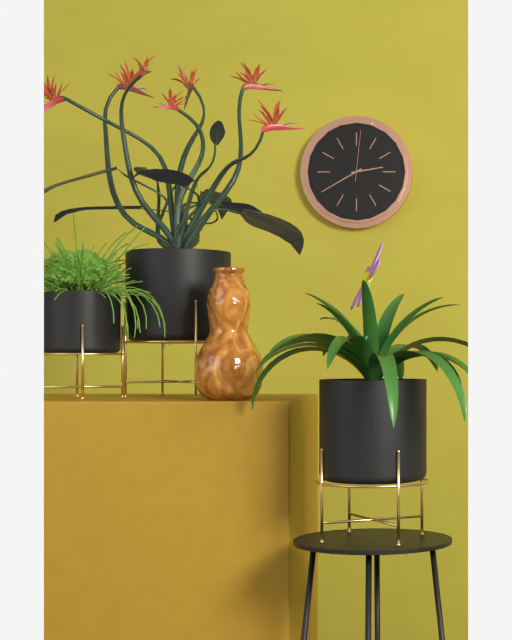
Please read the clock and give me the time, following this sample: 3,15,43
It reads 2,40,01
